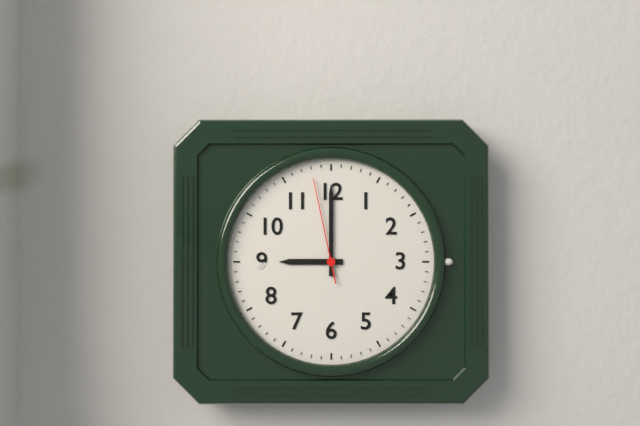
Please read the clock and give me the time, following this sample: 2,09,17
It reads 9,00,58
